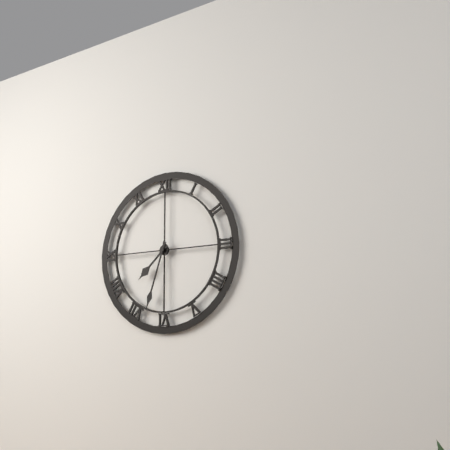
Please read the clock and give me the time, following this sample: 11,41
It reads 7,33
